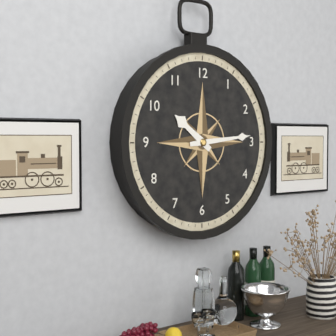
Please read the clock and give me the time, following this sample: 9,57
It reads 10,14
